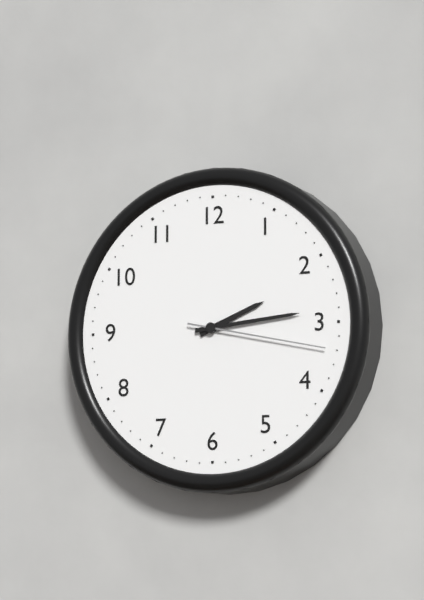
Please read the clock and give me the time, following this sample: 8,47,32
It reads 2,14,17
